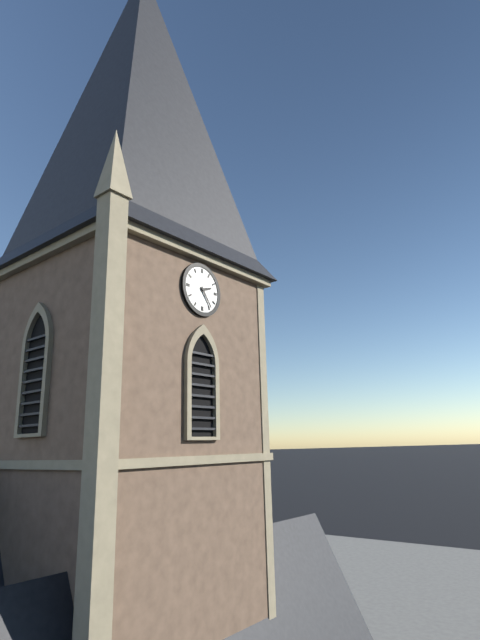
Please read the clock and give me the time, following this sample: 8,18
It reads 2,24
